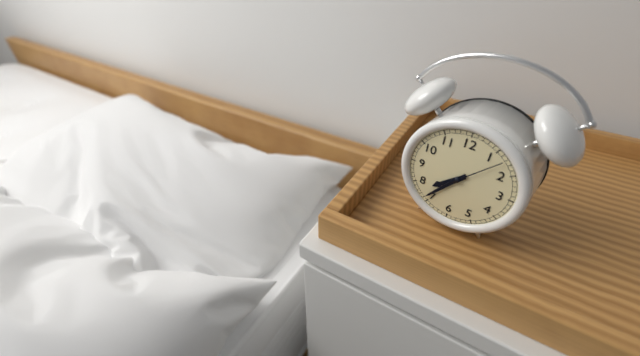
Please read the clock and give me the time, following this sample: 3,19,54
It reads 7,36,07
